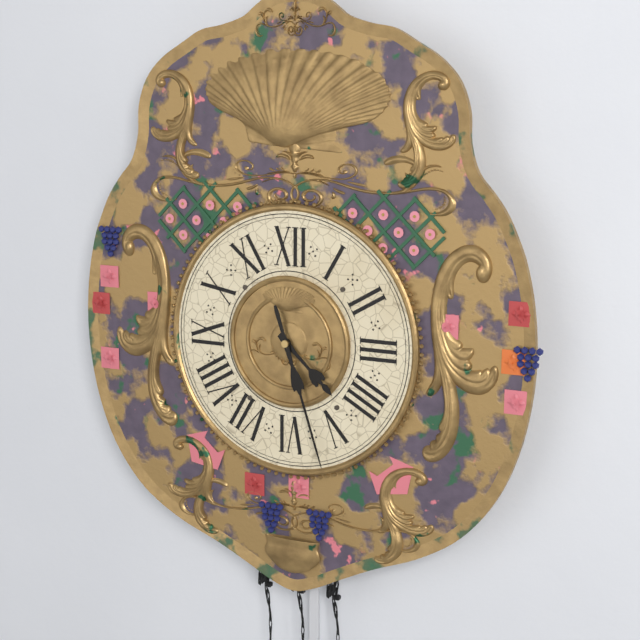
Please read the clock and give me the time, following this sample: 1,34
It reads 4,27
